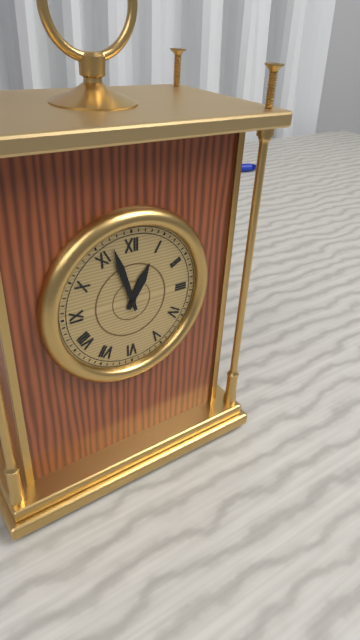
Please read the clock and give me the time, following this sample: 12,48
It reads 12,57
